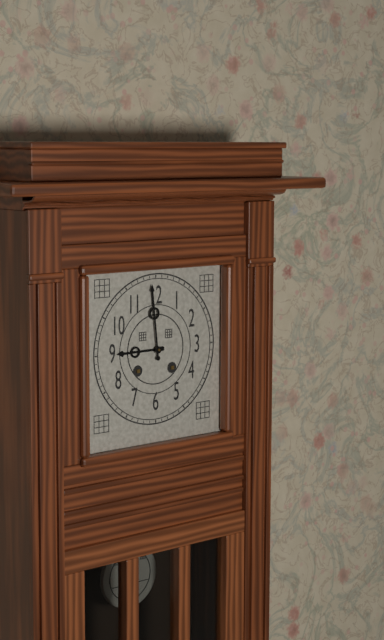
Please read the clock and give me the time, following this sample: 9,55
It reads 8,59
